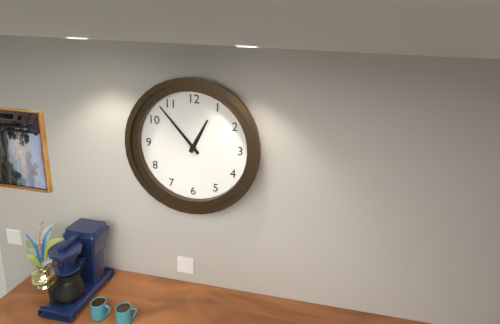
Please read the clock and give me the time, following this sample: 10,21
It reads 12,53
